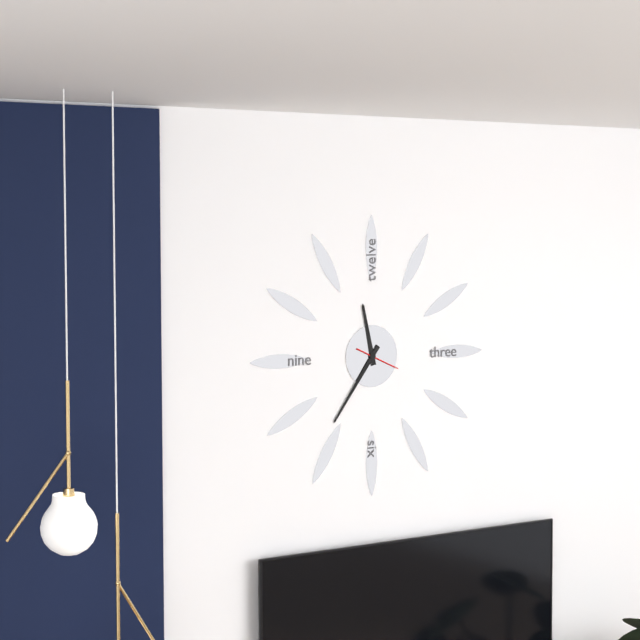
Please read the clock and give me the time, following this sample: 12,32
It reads 11,36
